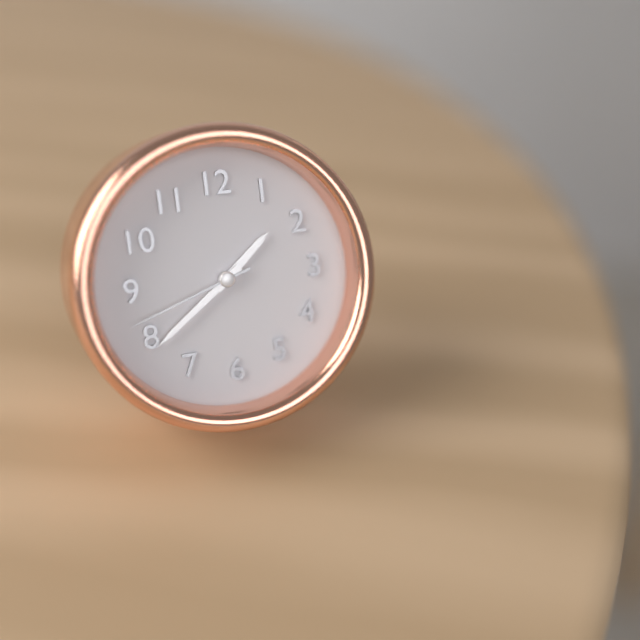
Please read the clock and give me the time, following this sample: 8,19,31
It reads 1,39,42
